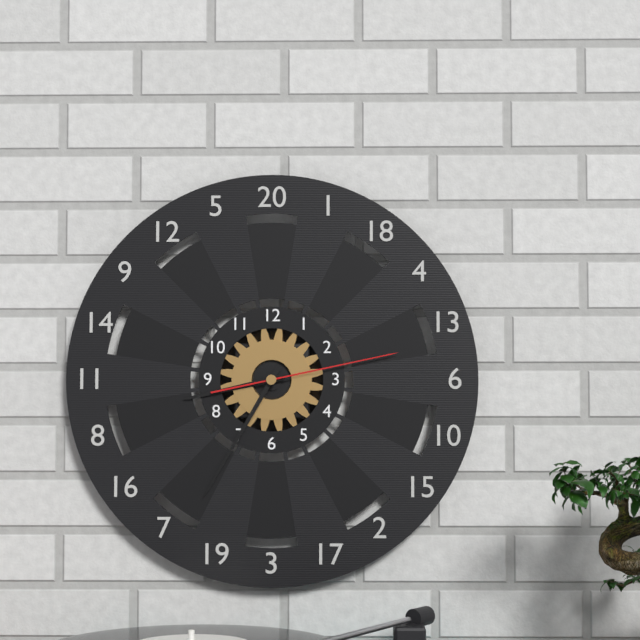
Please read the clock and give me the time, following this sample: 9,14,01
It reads 8,35,13
